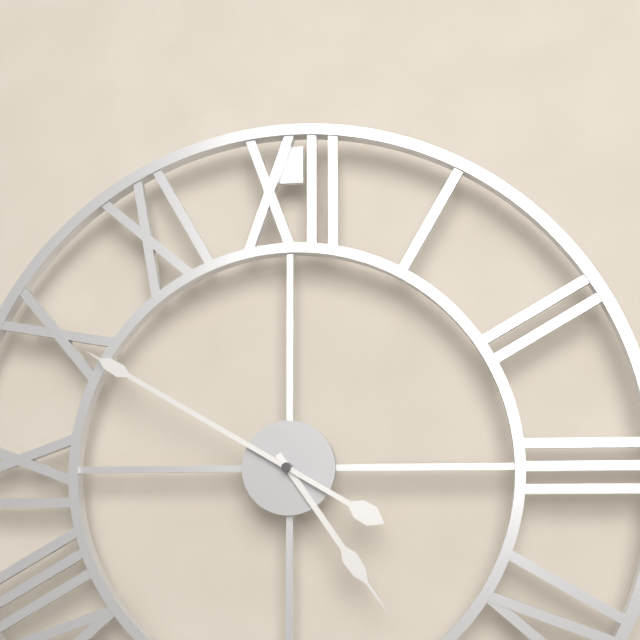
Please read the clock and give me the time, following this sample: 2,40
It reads 4,50
